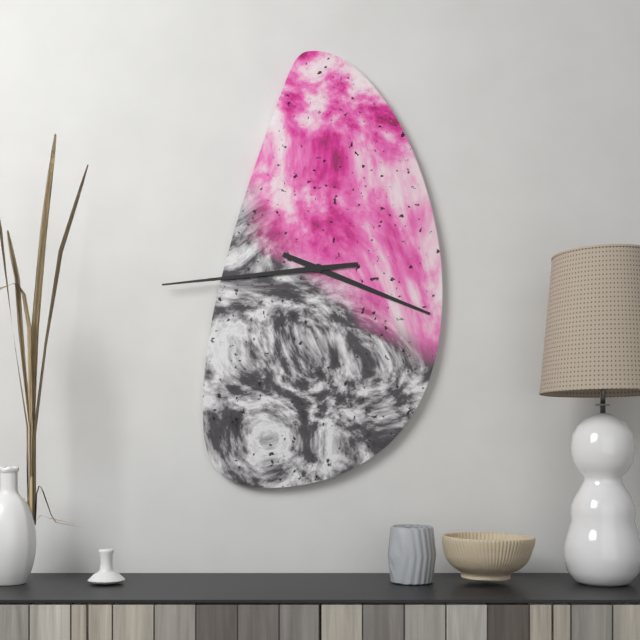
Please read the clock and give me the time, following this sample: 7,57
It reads 3,44
